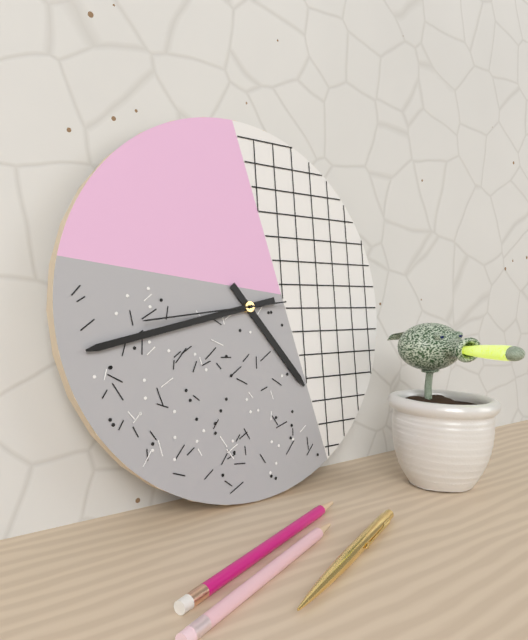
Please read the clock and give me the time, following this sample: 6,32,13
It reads 4,43,44
